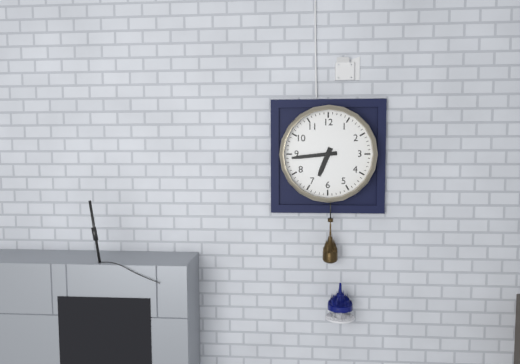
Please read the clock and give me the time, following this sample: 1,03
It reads 6,44
